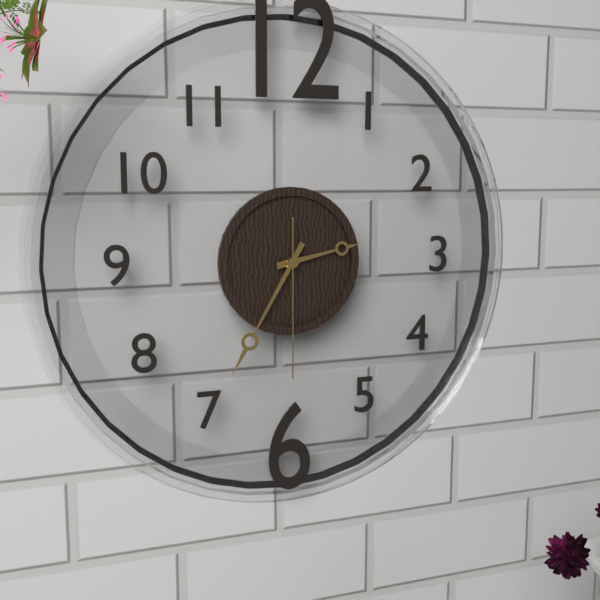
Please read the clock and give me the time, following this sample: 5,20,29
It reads 2,35,30
